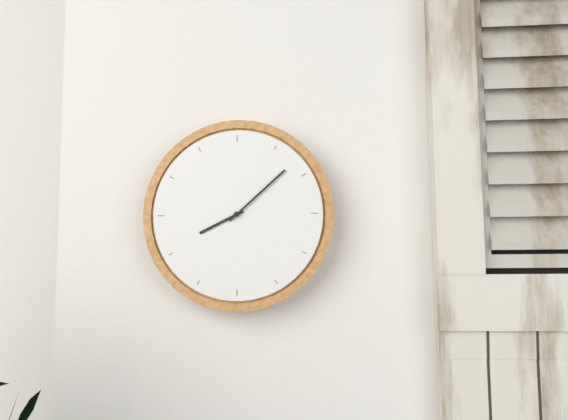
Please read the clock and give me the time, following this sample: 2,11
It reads 8,08
